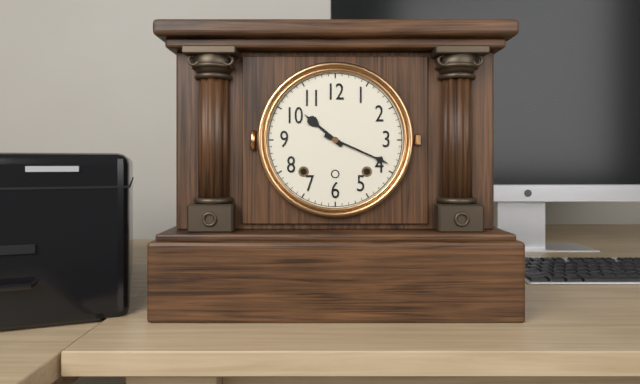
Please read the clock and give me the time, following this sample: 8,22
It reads 10,19
